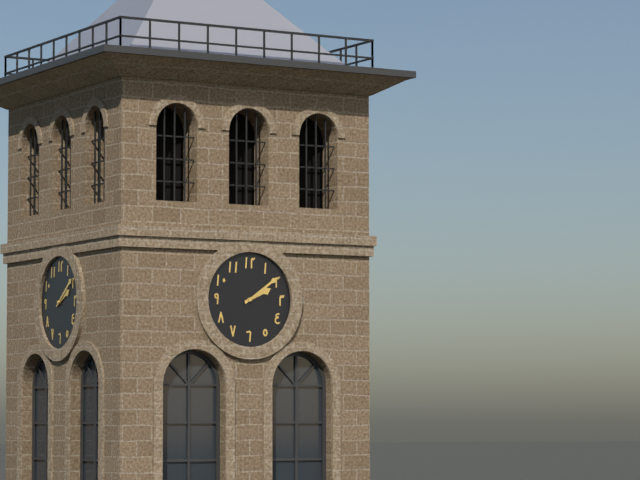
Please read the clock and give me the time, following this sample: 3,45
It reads 2,09
